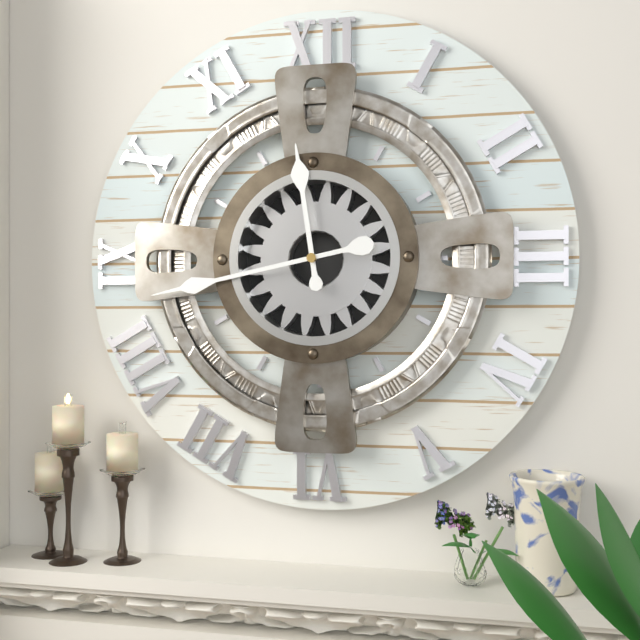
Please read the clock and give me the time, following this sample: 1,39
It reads 11,43
